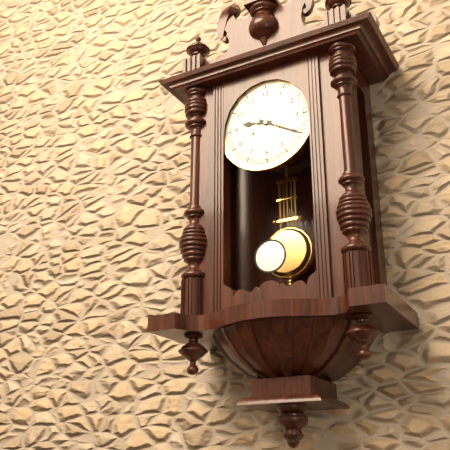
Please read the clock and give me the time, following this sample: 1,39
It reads 9,20
